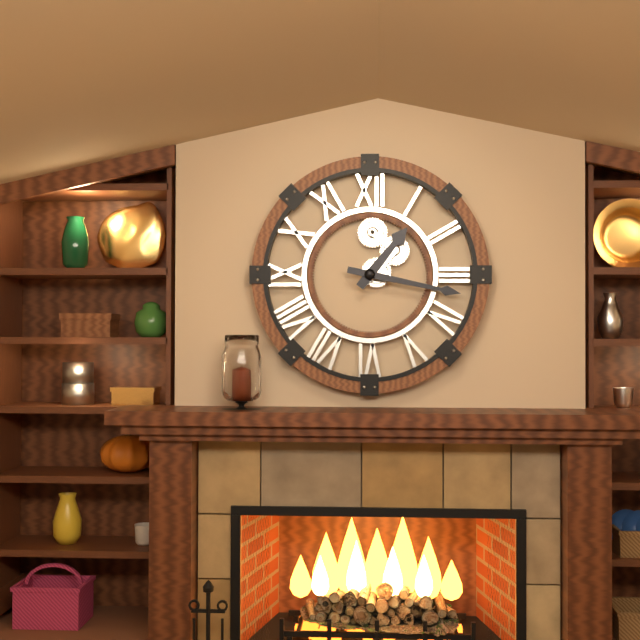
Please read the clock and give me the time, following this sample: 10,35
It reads 1,17
